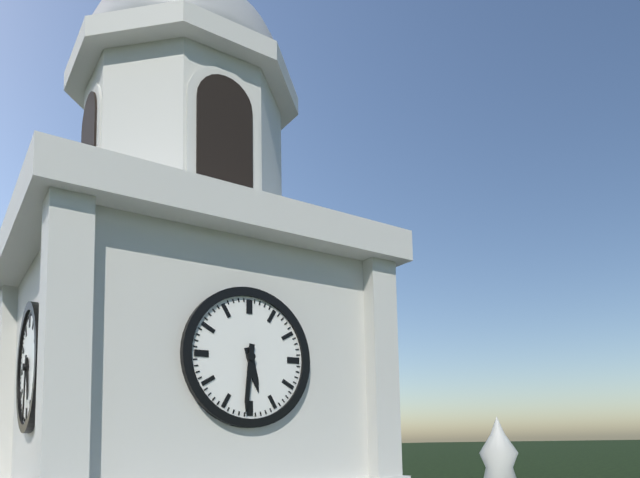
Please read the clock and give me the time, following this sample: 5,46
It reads 5,31
